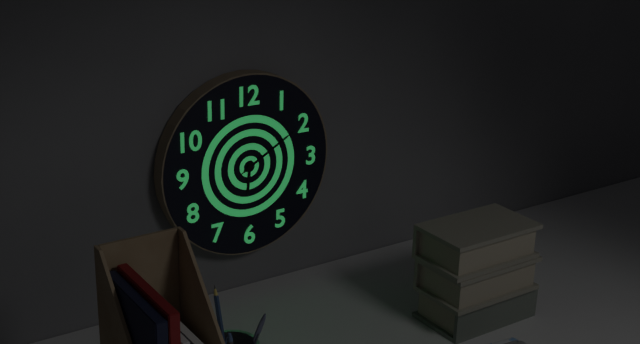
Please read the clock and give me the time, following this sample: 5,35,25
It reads 6,10,10
